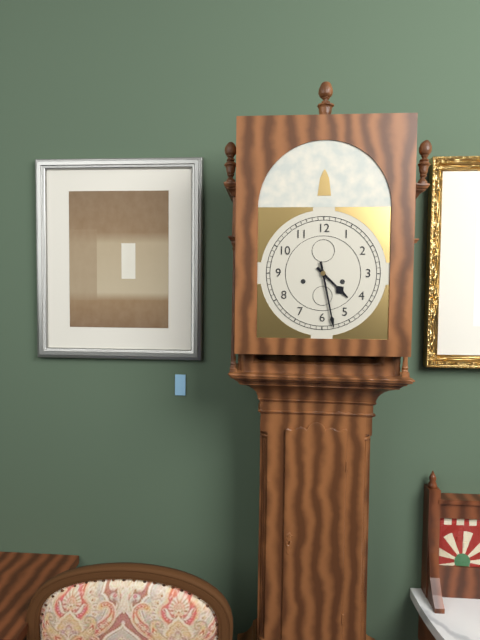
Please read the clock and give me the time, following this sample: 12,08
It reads 4,28
